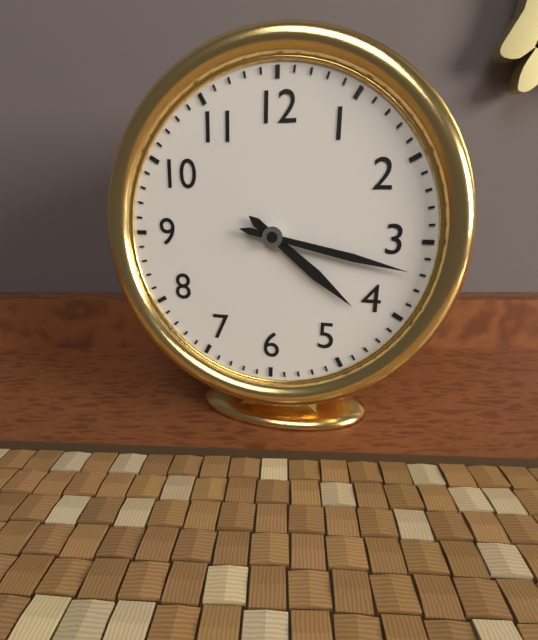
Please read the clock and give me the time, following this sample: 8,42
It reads 4,17
